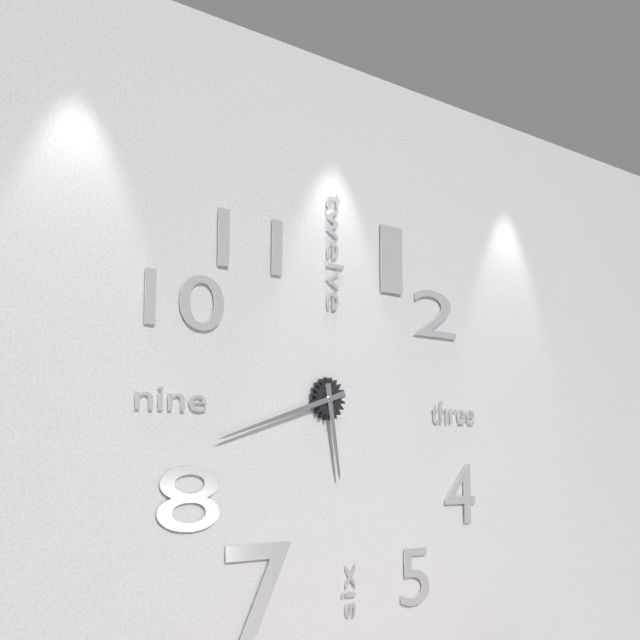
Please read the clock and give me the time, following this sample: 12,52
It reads 5,42
